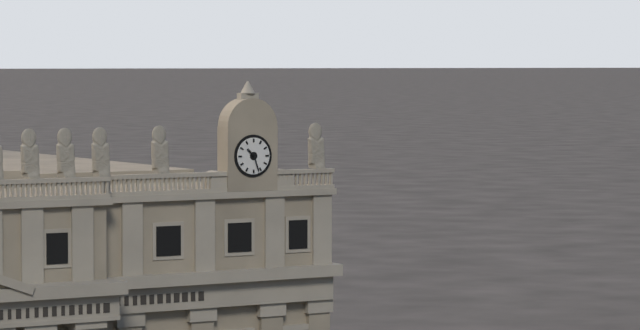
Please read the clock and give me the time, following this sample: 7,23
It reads 10,27
